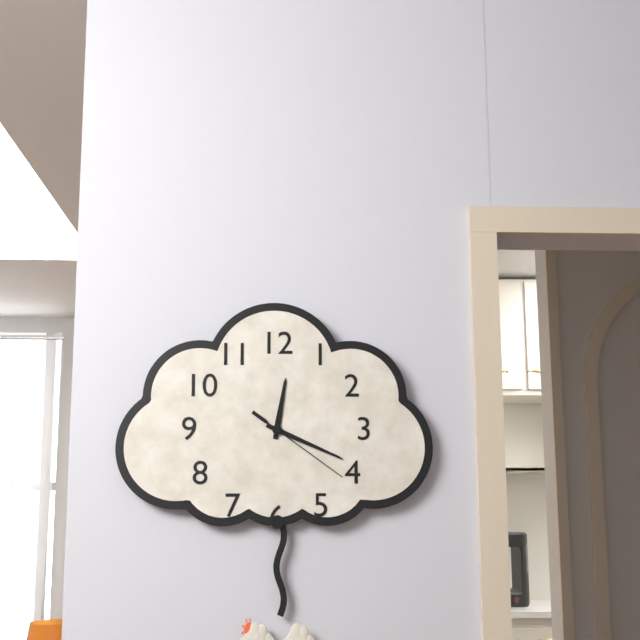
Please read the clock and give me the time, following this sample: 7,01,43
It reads 12,19,21
